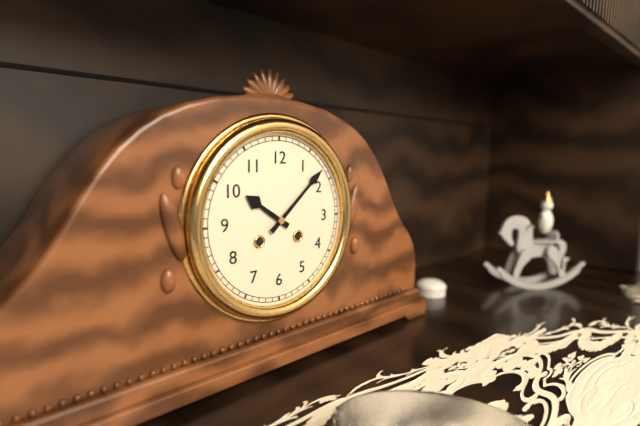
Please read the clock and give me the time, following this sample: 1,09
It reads 10,08
